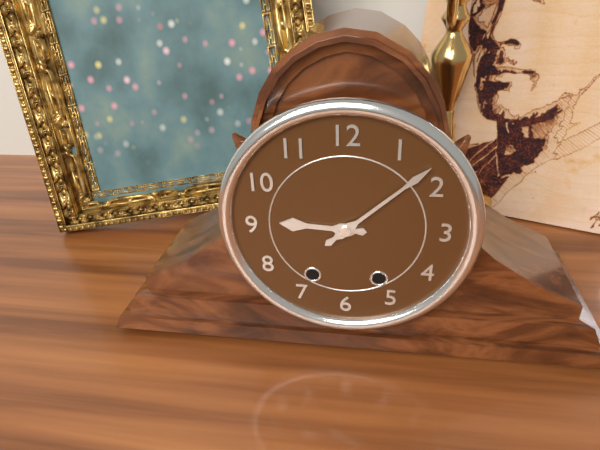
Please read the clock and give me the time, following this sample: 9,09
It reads 9,08
